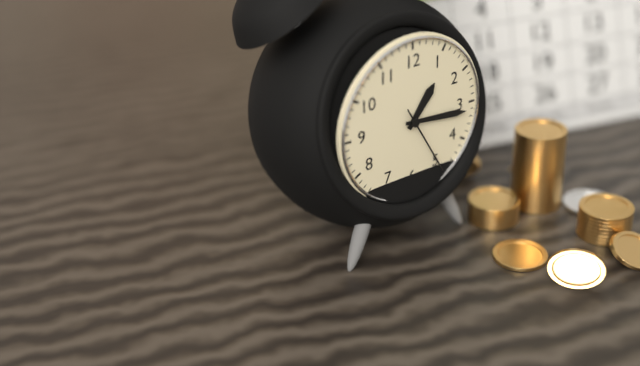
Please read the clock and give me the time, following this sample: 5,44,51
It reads 1,16,25
